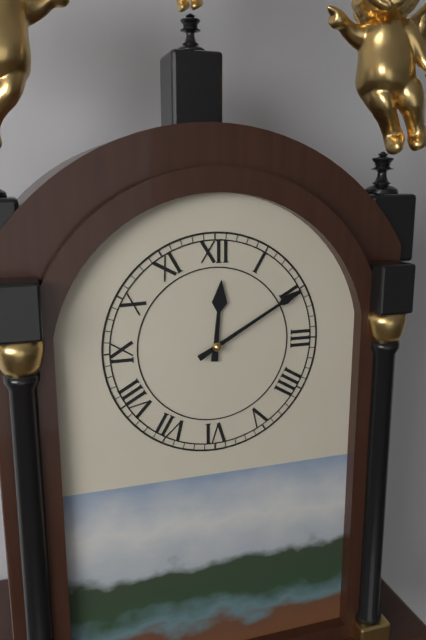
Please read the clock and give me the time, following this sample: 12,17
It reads 12,10
